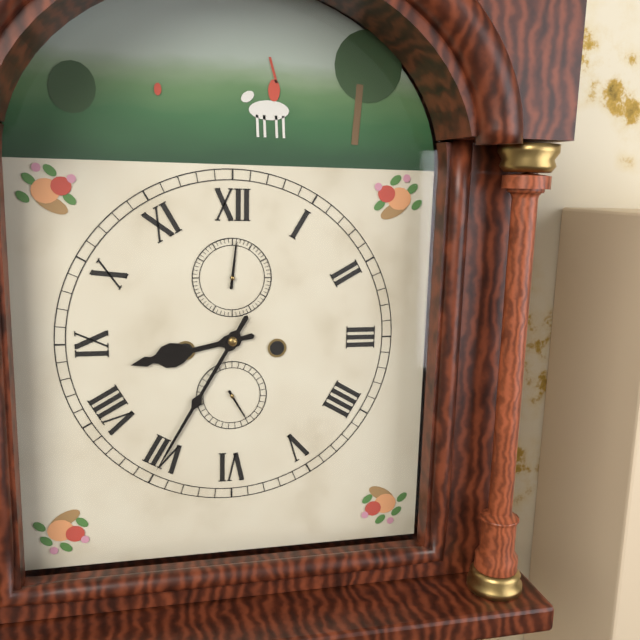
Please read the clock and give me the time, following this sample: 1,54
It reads 8,35
